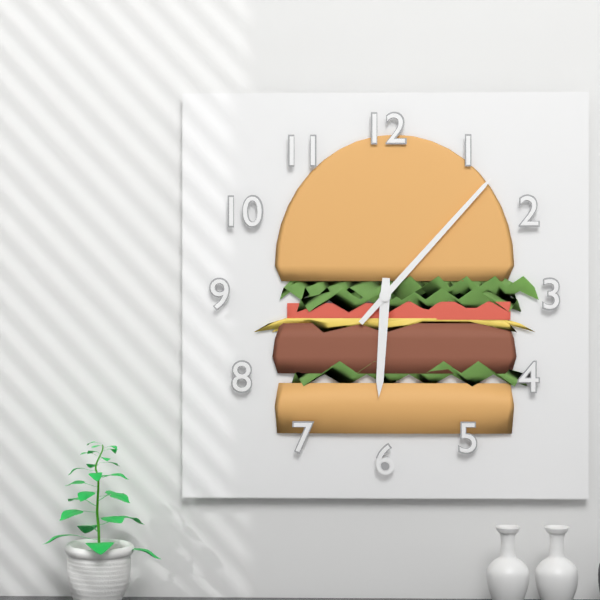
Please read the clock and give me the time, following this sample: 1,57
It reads 6,07
